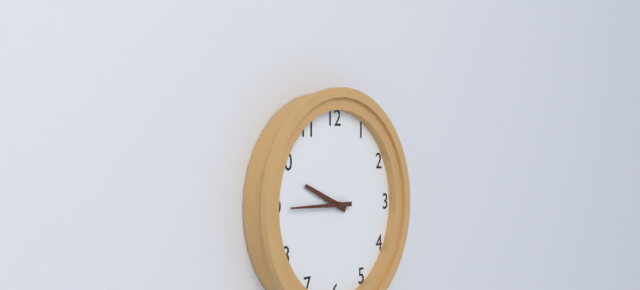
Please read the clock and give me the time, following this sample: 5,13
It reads 9,45
